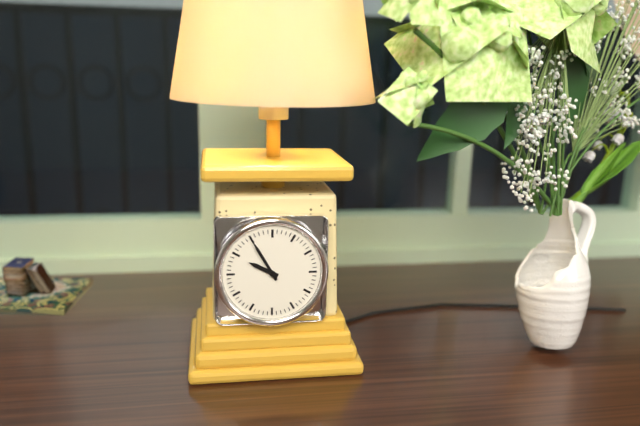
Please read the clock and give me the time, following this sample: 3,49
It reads 9,55
